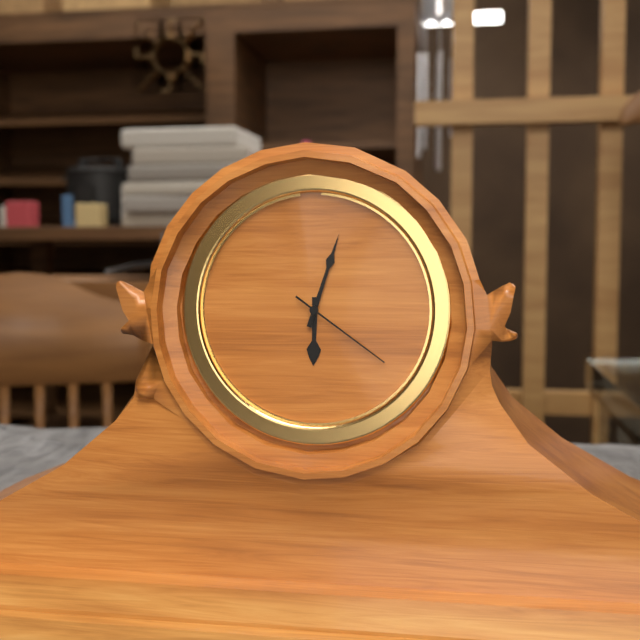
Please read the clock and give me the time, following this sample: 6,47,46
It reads 6,03,21
